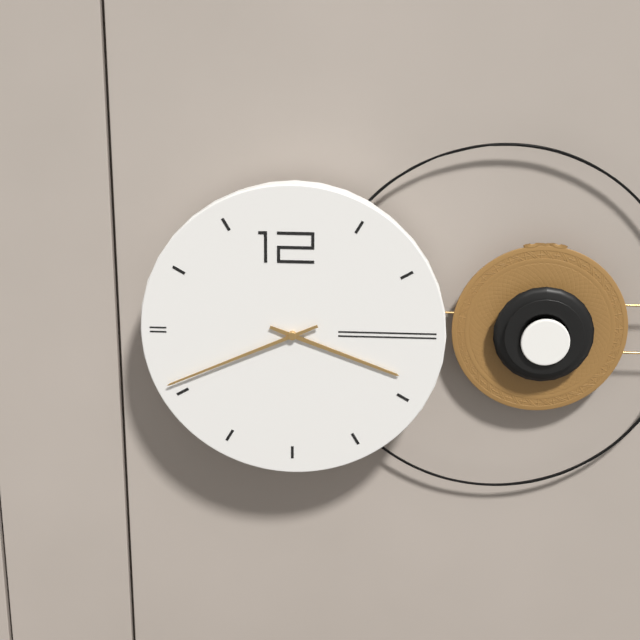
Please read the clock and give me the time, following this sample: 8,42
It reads 3,41
